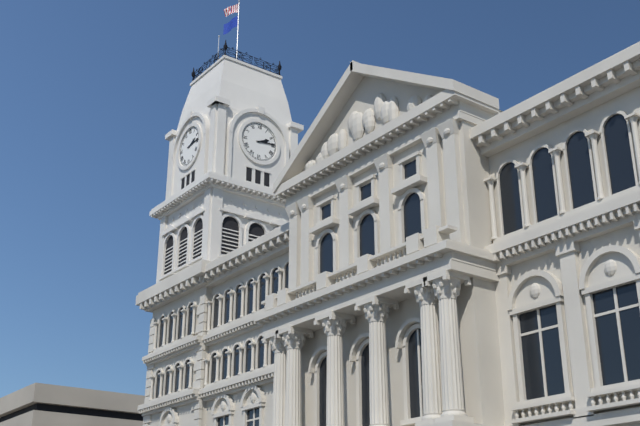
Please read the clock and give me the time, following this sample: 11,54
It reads 2,14
